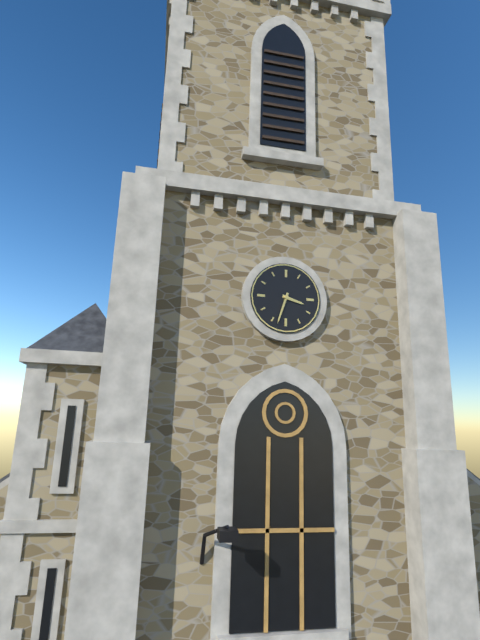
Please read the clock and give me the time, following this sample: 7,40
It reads 3,33
